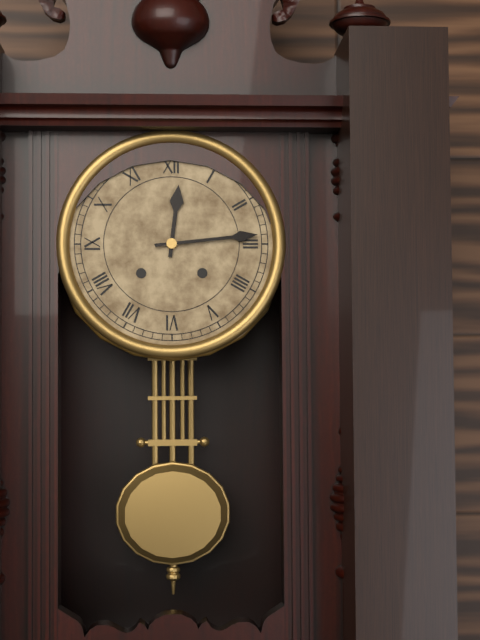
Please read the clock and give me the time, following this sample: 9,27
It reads 12,14
